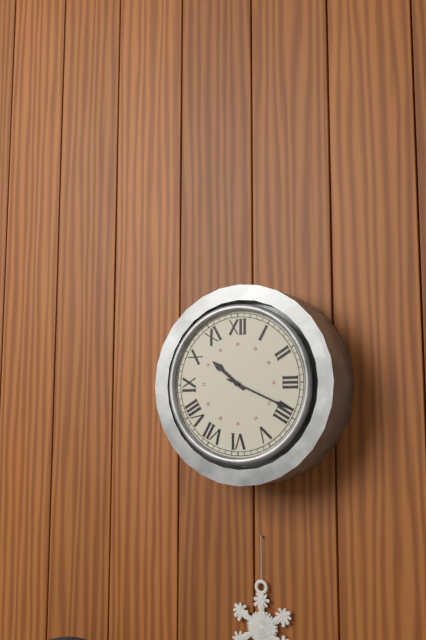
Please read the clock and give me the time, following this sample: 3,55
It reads 10,19
